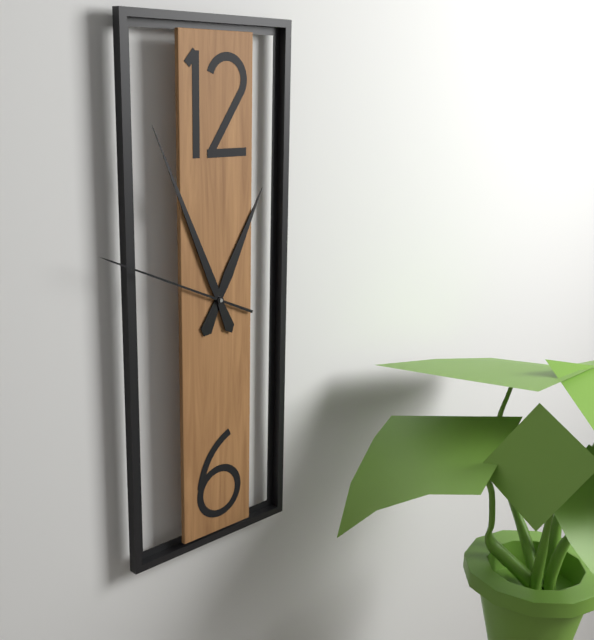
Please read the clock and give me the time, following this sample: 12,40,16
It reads 12,56,49
